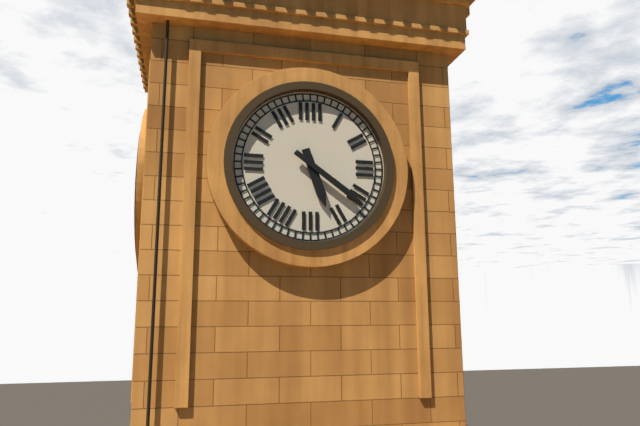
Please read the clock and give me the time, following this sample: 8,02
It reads 5,21
